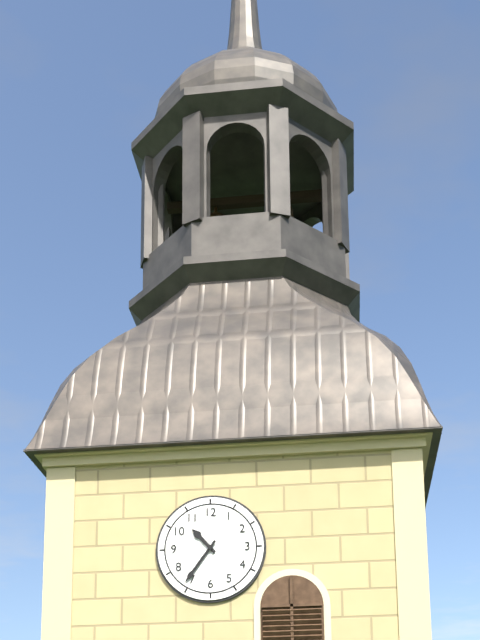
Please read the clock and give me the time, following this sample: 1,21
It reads 10,36
